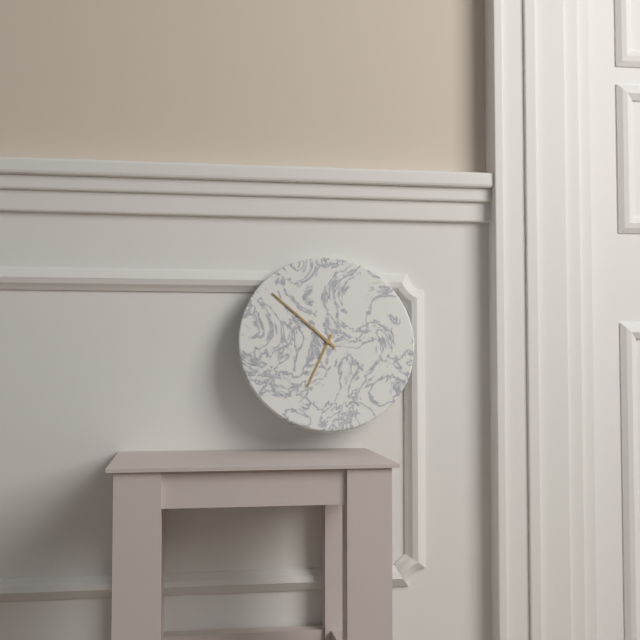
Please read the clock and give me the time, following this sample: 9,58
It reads 6,52
